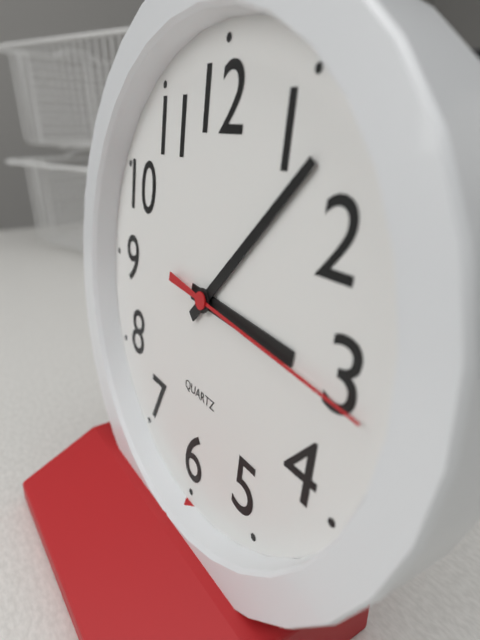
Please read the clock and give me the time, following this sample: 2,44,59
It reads 3,07,16
